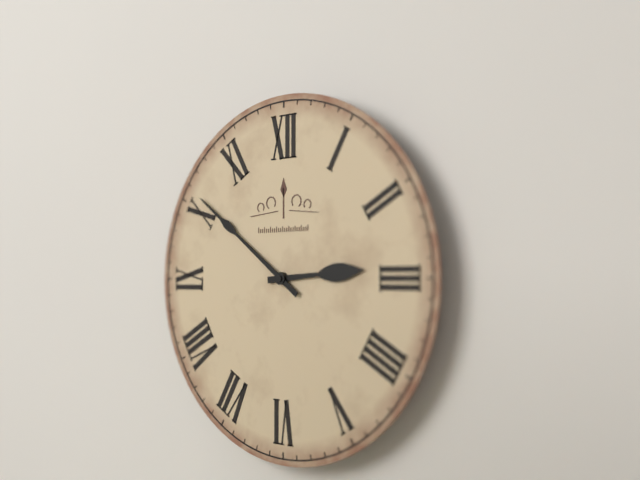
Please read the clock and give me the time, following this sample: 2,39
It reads 2,51
